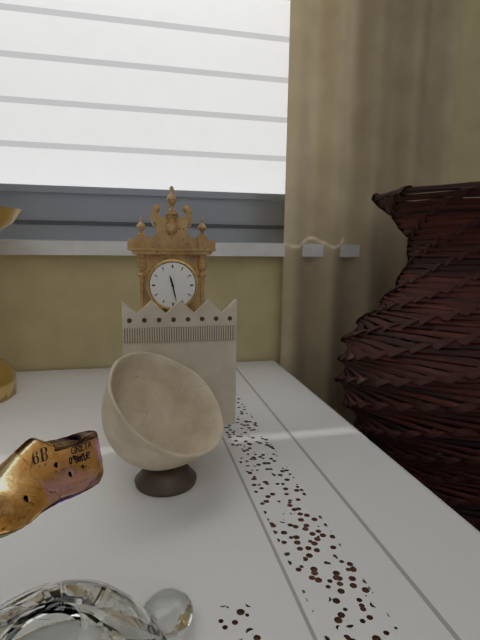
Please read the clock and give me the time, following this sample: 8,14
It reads 11,28
